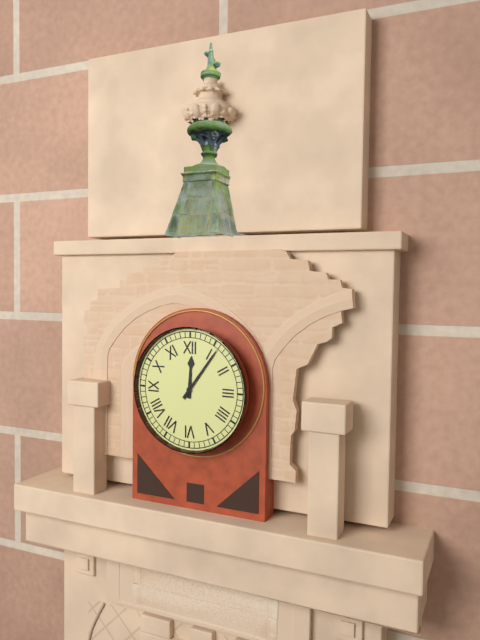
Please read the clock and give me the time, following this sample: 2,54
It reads 12,06
